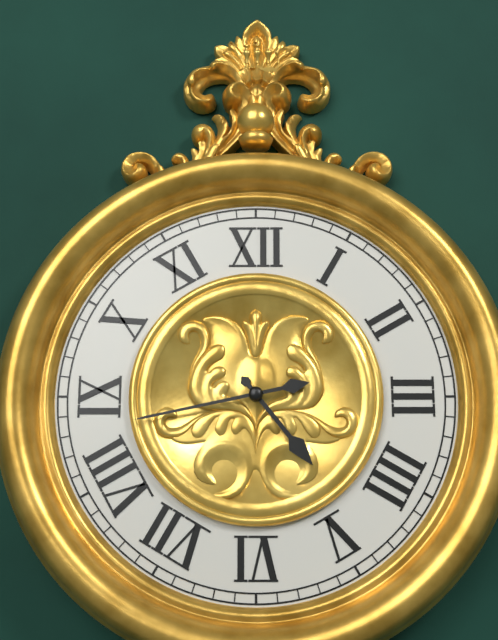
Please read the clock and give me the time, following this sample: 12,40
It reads 4,43
